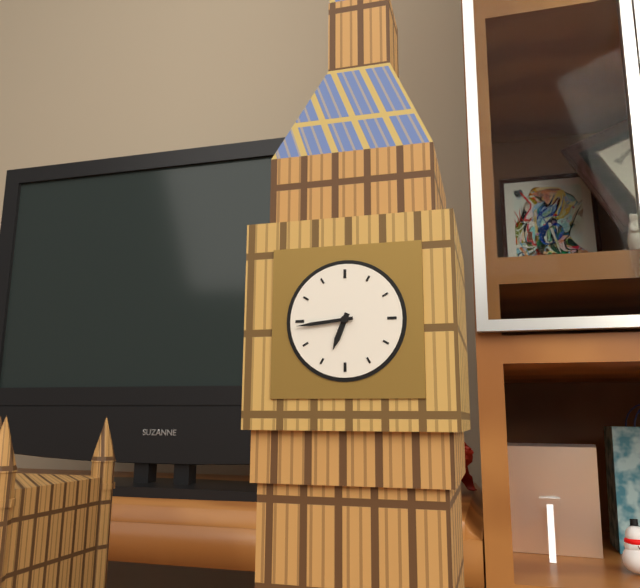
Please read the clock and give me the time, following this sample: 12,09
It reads 6,44
